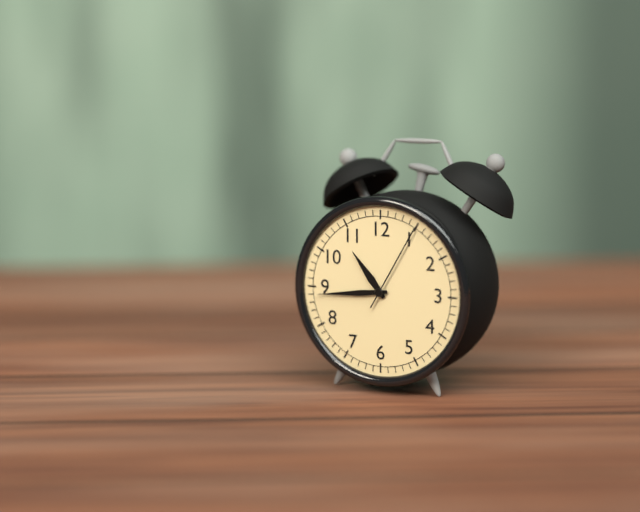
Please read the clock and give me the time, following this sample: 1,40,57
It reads 10,44,05
